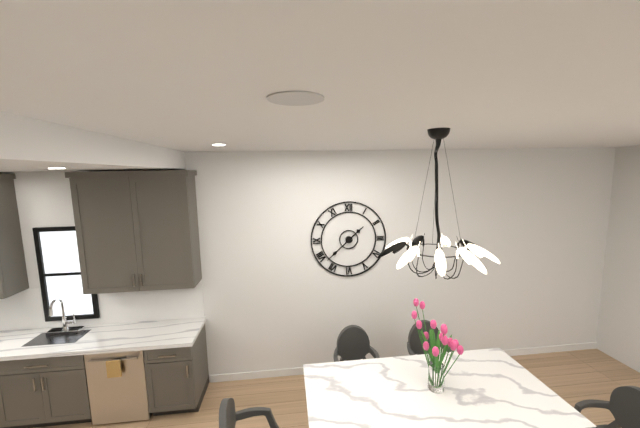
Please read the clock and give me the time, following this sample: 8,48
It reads 1,38
